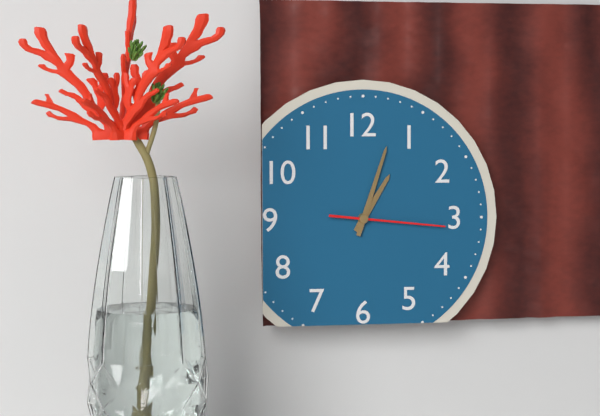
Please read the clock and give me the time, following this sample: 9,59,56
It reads 1,03,16
